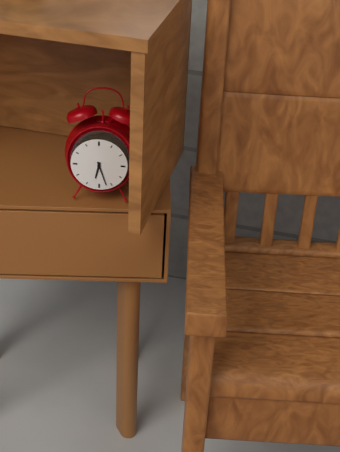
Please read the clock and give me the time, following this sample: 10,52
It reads 6,27
